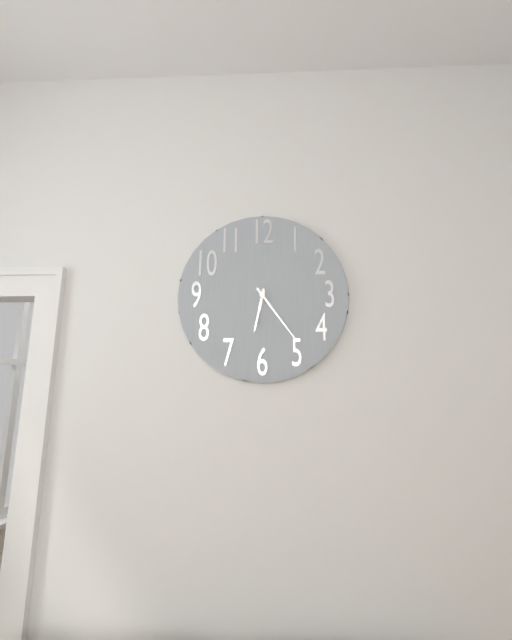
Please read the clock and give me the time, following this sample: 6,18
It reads 6,24
